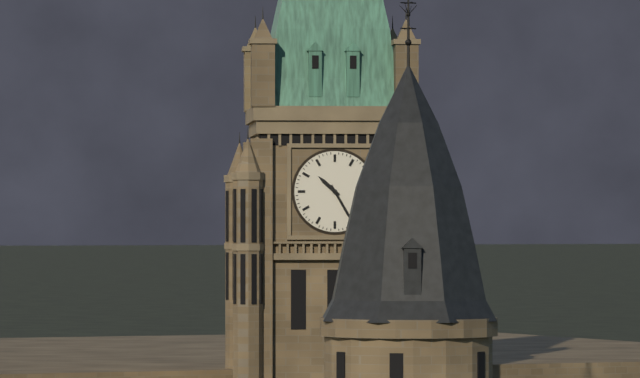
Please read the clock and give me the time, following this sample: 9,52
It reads 10,25
